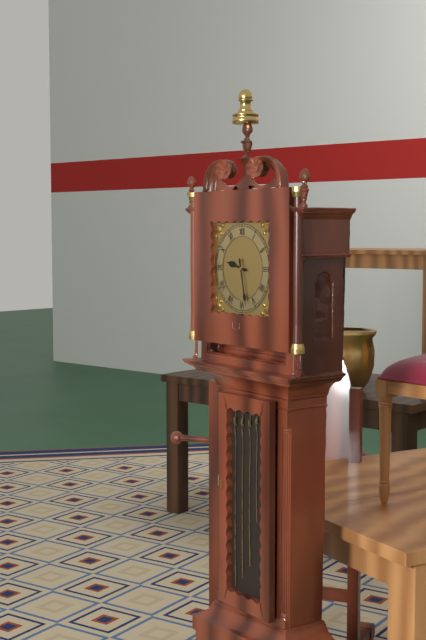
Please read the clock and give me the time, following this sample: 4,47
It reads 9,28
